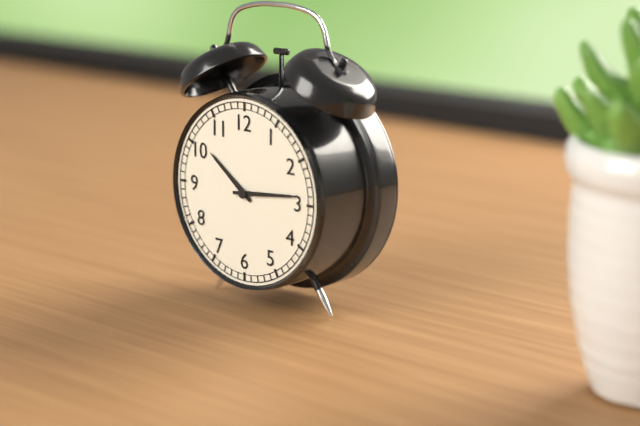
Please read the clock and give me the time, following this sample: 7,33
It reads 10,14
